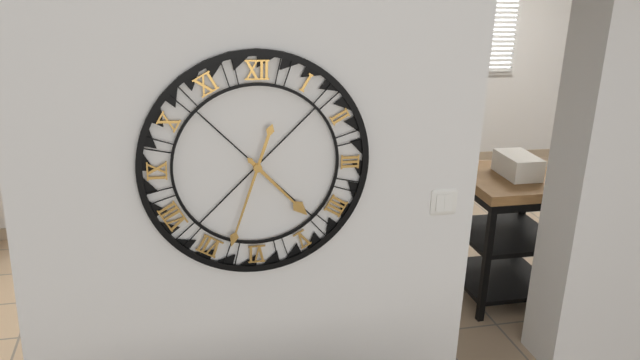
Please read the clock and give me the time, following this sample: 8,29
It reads 4,33
